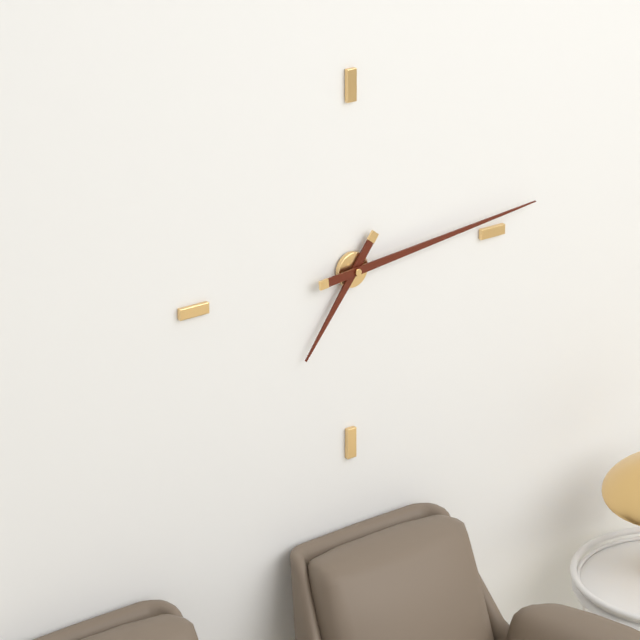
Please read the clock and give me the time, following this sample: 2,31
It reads 7,14
